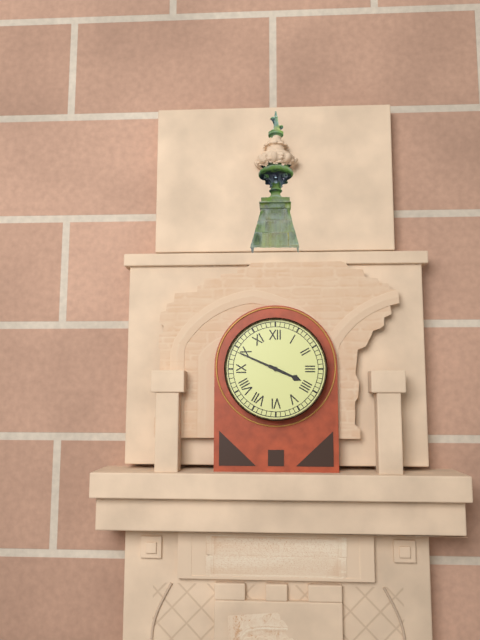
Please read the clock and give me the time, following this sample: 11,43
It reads 3,49
